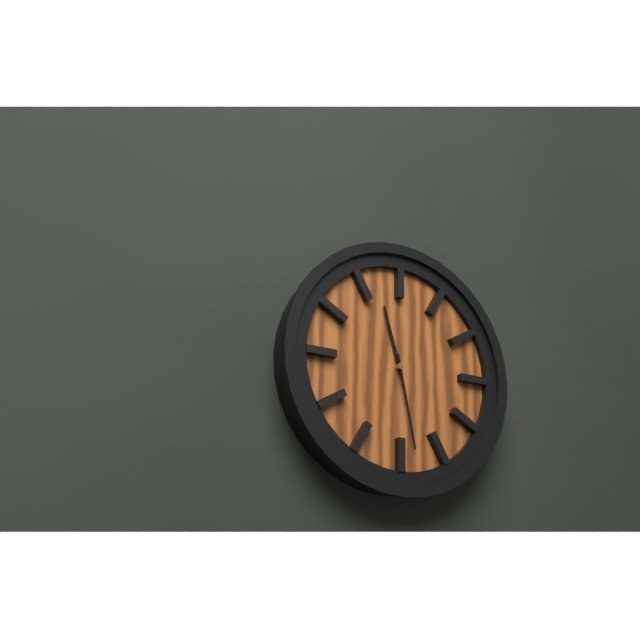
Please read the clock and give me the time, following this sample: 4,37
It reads 11,28
